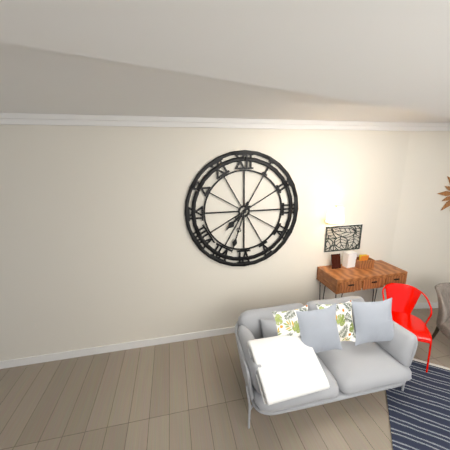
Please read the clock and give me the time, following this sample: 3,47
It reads 7,33
